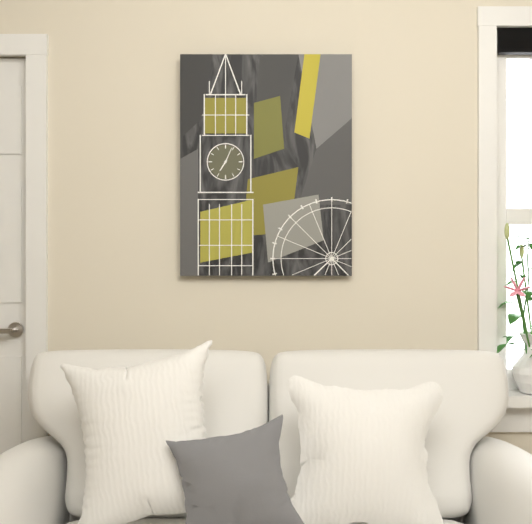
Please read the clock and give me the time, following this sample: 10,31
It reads 7,04
